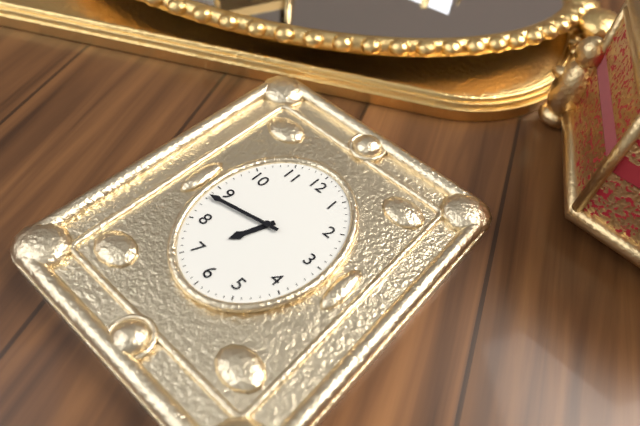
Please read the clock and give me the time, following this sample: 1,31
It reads 6,43
